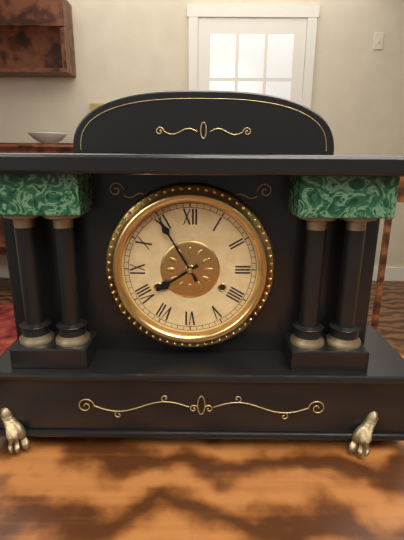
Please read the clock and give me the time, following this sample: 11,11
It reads 7,55
